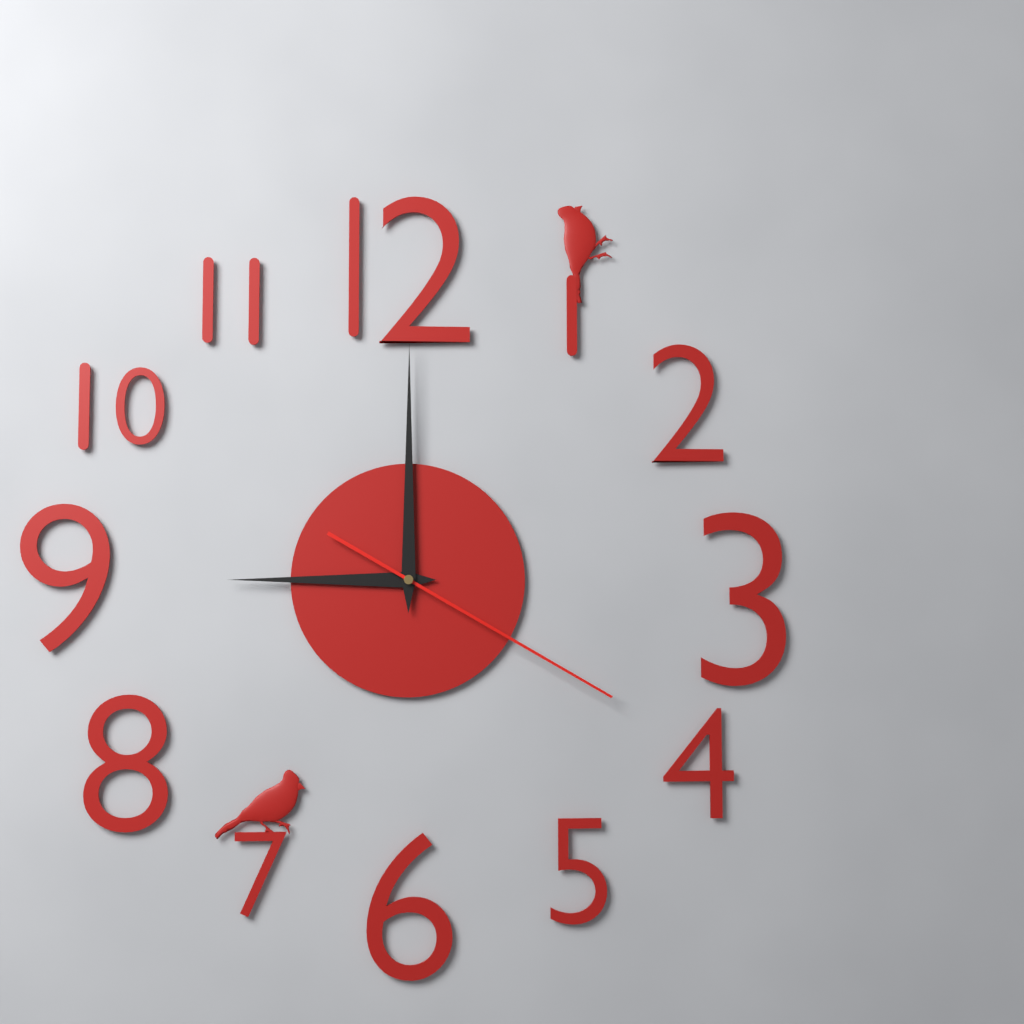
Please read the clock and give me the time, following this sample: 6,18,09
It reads 9,00,20
